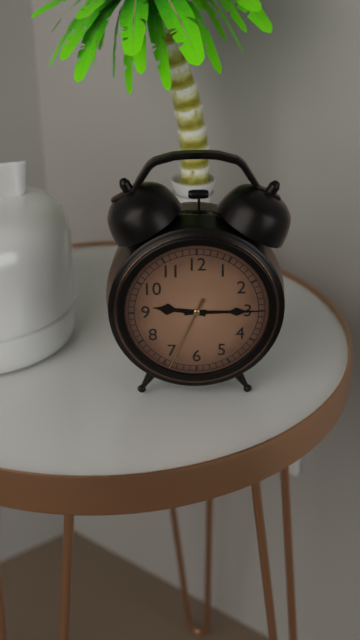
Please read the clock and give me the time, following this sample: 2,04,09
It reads 9,15,34
